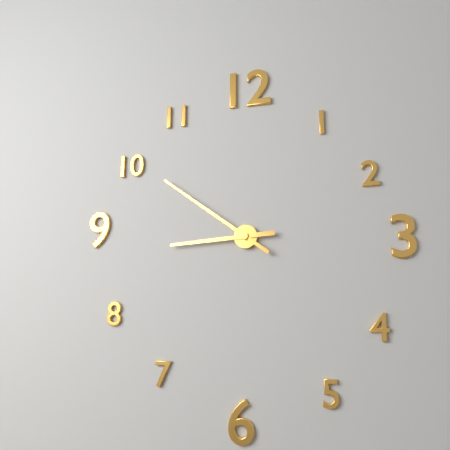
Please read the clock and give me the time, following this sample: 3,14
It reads 8,51
